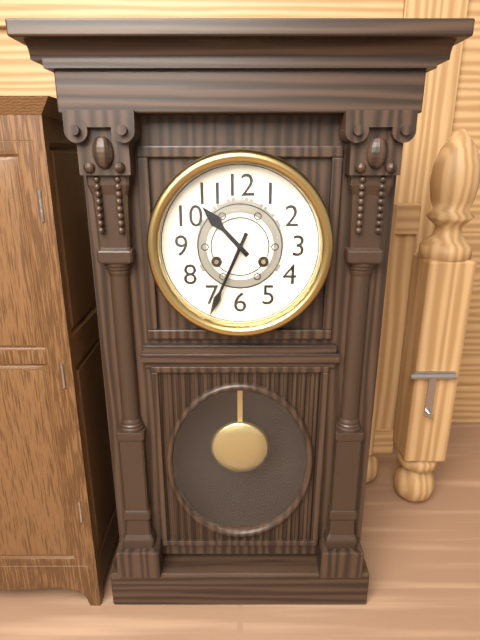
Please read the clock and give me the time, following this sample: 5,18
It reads 10,34
